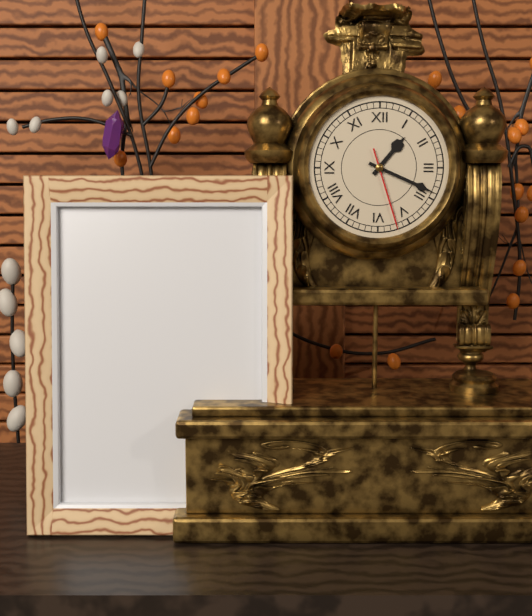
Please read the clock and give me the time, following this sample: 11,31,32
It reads 1,19,27
